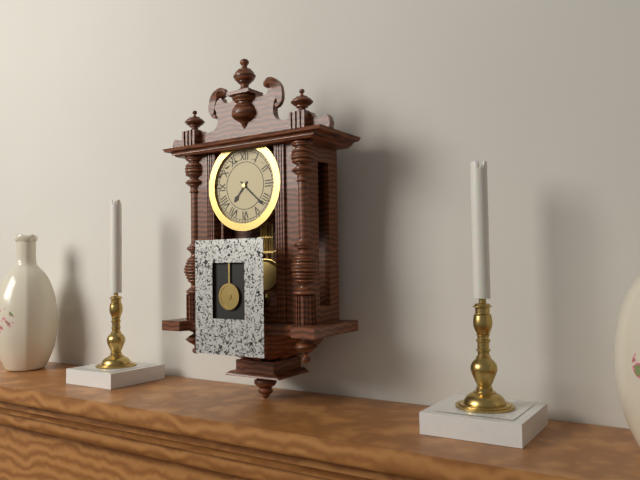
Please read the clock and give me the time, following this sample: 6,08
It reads 7,22
